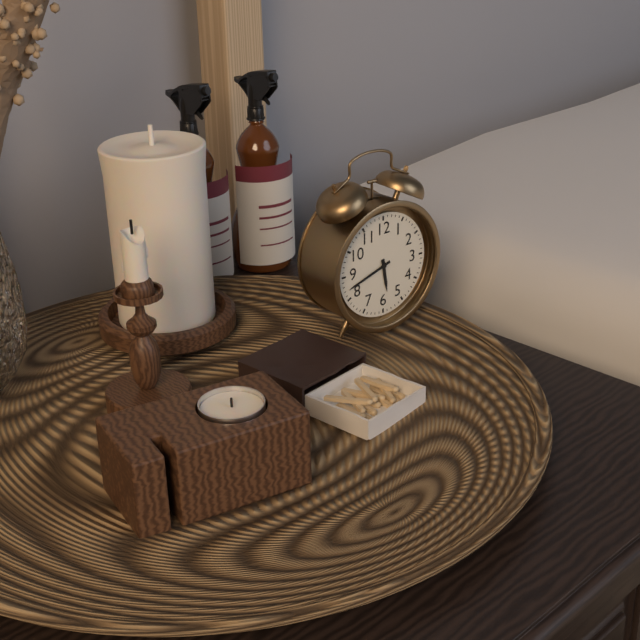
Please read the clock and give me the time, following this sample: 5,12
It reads 5,42
